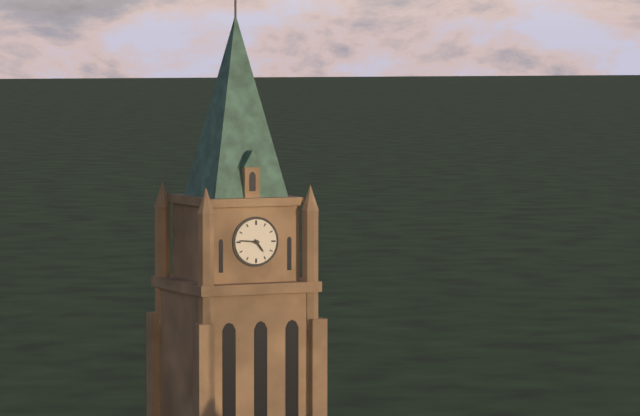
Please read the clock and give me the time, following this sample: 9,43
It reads 4,46
